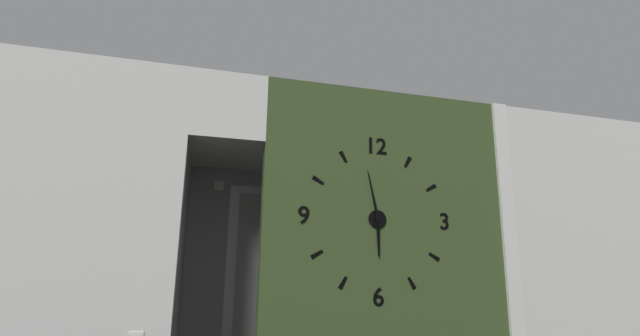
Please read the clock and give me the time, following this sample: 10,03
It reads 5,58
